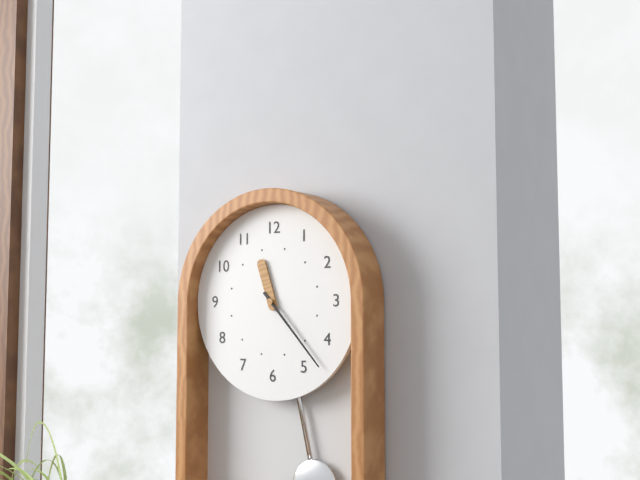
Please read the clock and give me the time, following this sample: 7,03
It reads 11,23
